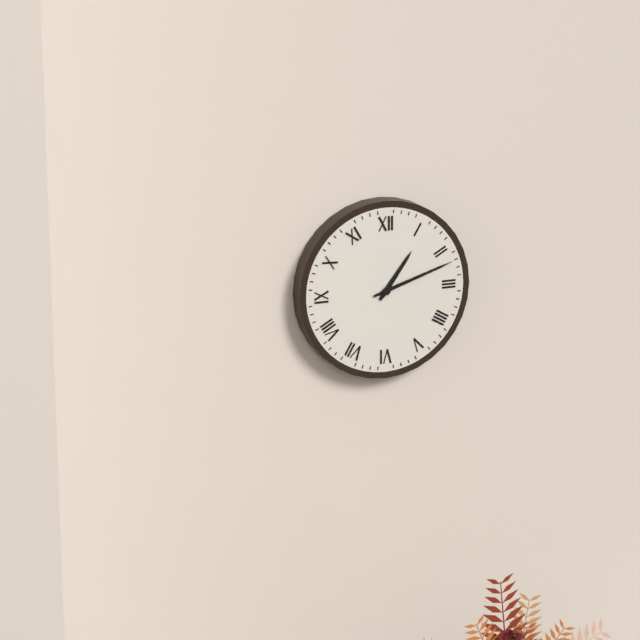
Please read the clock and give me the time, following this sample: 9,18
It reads 1,12
